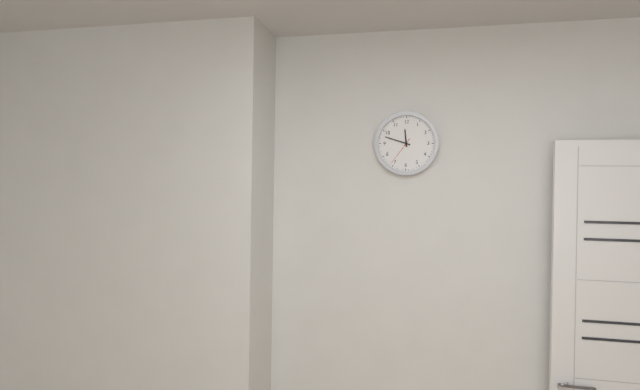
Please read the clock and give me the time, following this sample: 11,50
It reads 11,48
